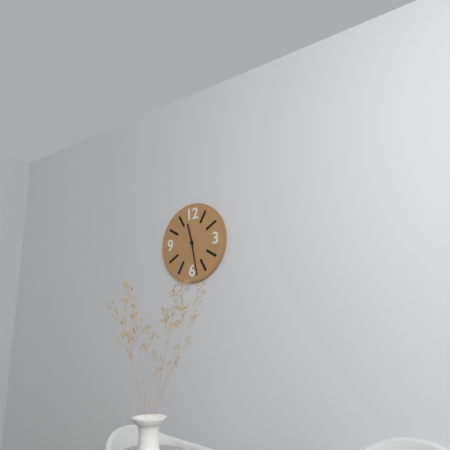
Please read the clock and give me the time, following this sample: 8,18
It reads 11,28
